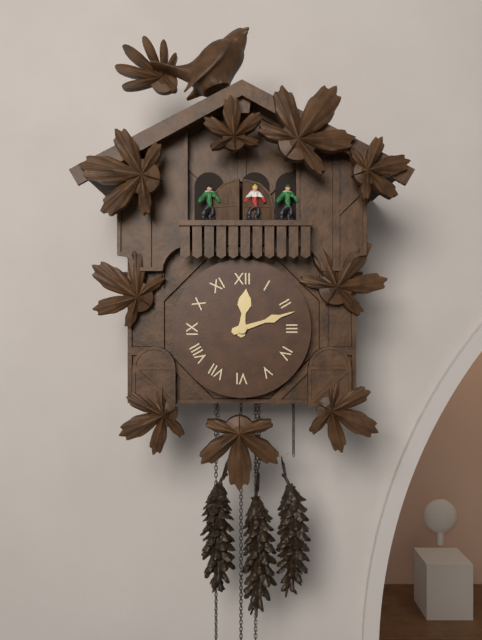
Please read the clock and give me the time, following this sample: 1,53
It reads 12,12
